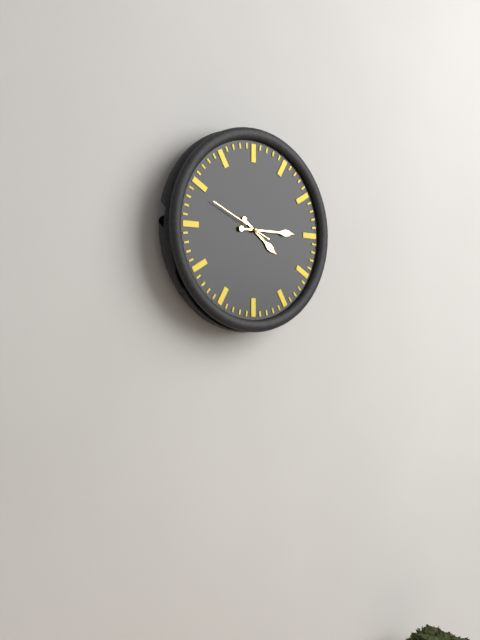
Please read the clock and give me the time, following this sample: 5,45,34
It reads 4,15,49
